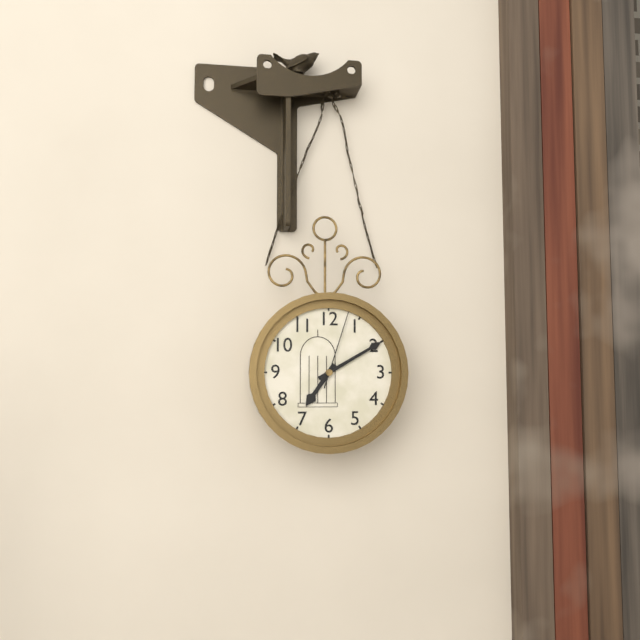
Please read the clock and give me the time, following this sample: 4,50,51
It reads 7,10,03
